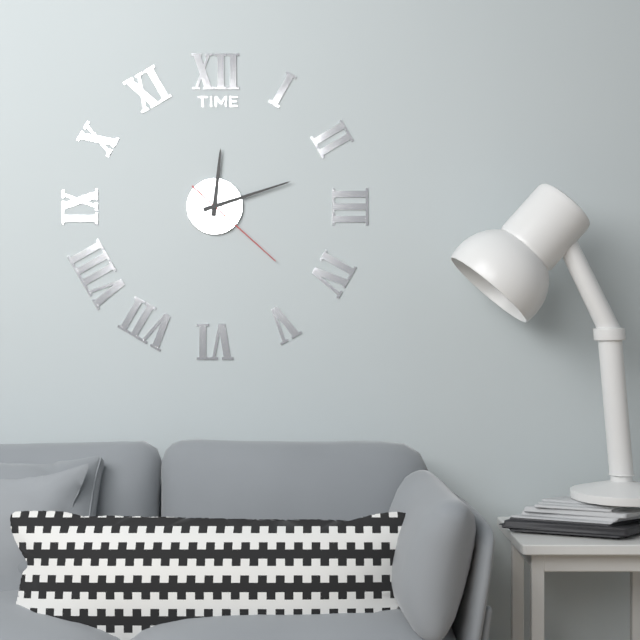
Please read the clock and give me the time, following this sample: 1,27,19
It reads 12,12,22
